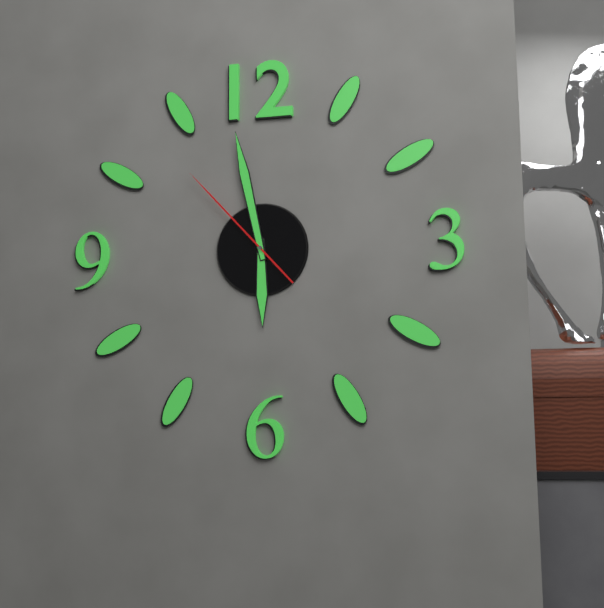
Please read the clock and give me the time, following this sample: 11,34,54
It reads 5,58,53
